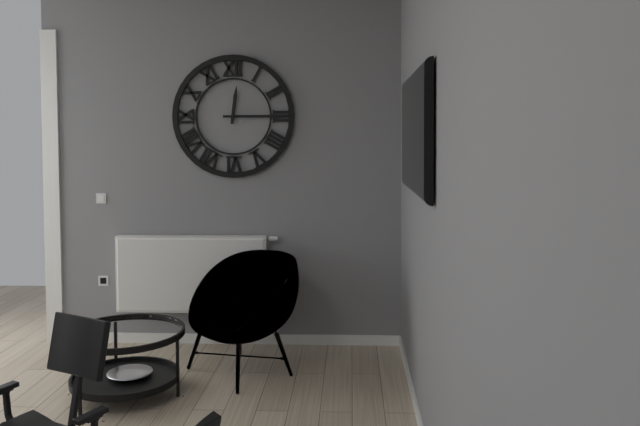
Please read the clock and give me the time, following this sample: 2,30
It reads 12,15
